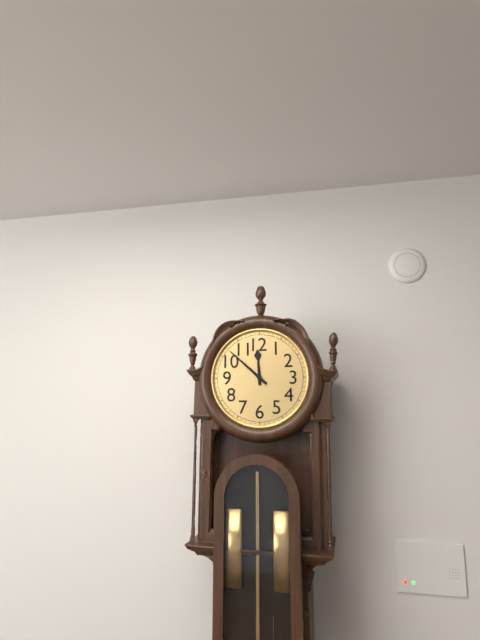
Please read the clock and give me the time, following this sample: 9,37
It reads 11,52
